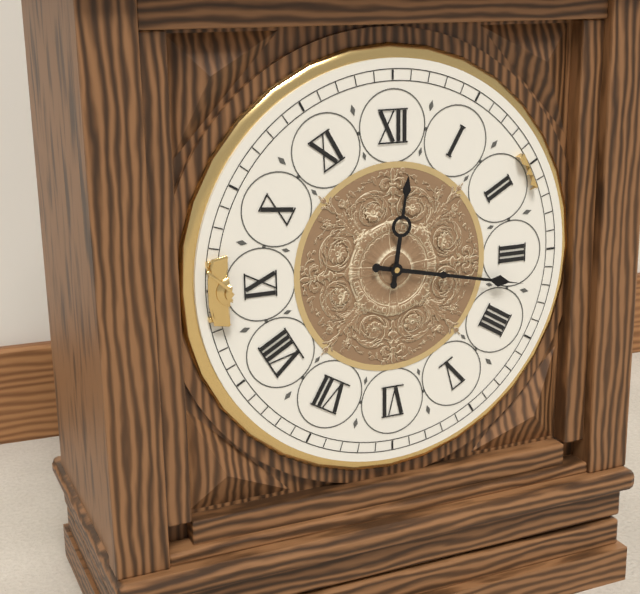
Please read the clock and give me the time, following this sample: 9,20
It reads 12,17
